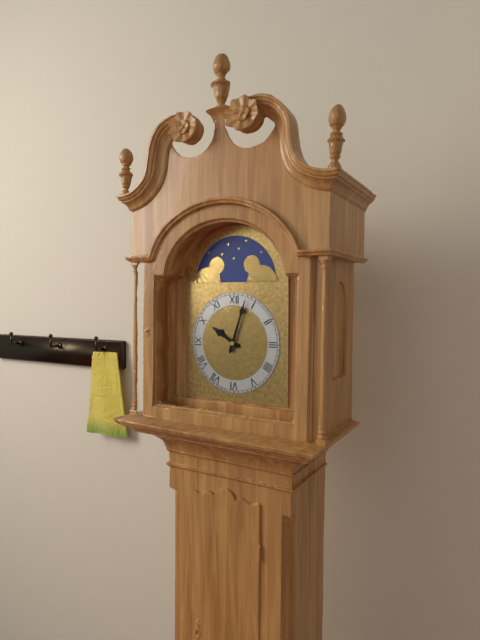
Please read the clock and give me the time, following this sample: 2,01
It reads 10,03
